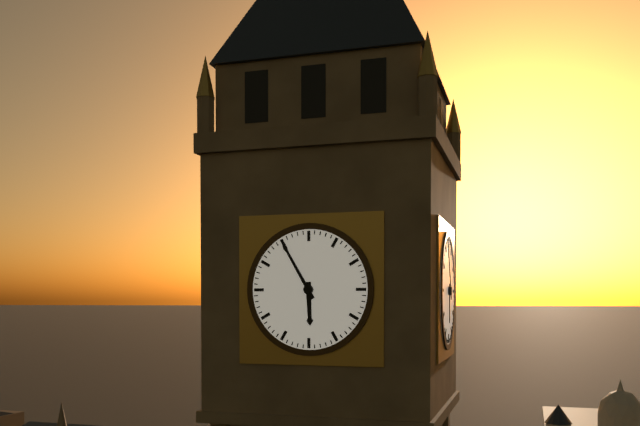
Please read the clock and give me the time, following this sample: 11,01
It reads 5,55
